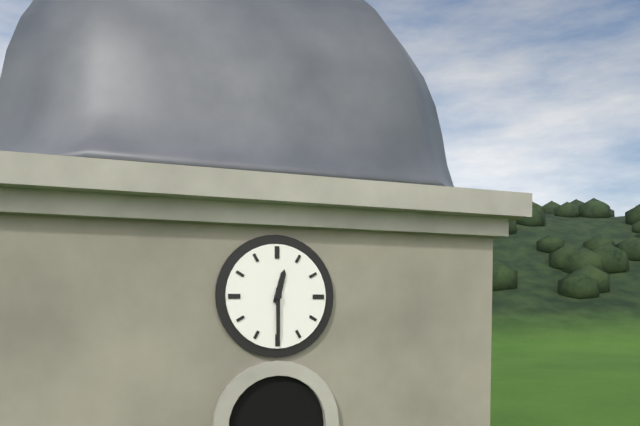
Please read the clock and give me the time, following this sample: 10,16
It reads 12,30
